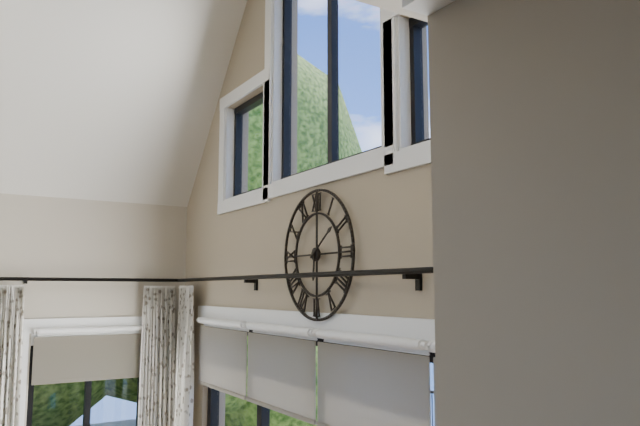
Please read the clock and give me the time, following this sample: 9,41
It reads 6,09
